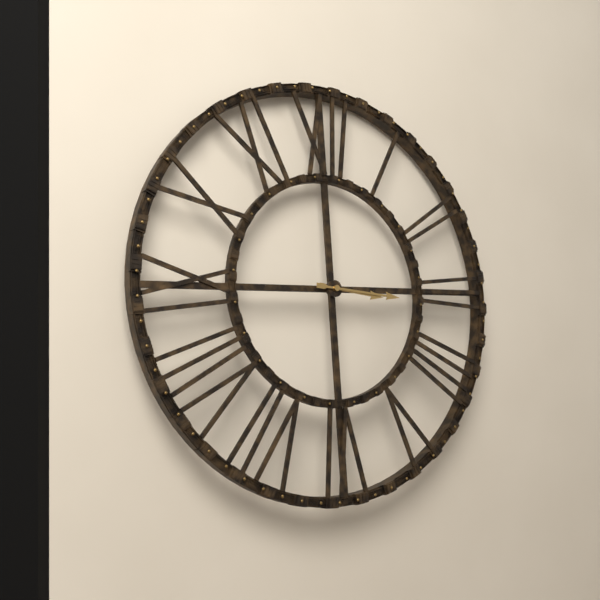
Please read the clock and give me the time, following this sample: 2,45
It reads 3,16
